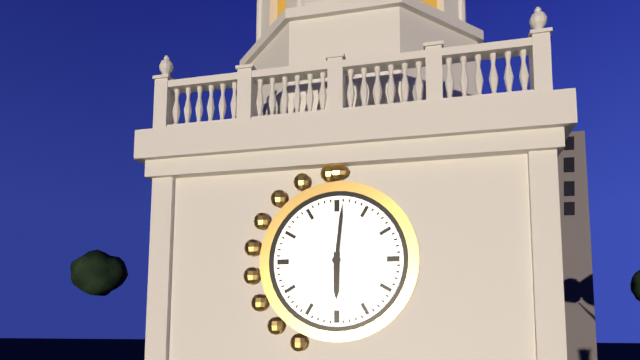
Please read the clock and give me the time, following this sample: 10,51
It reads 6,01
